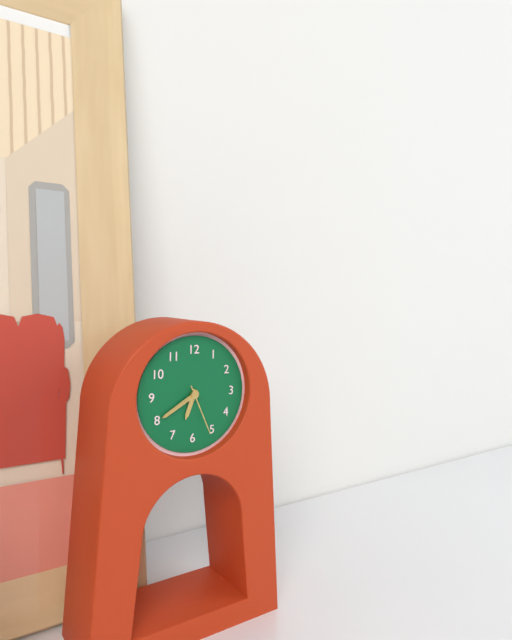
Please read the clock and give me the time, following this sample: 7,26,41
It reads 6,40,26
